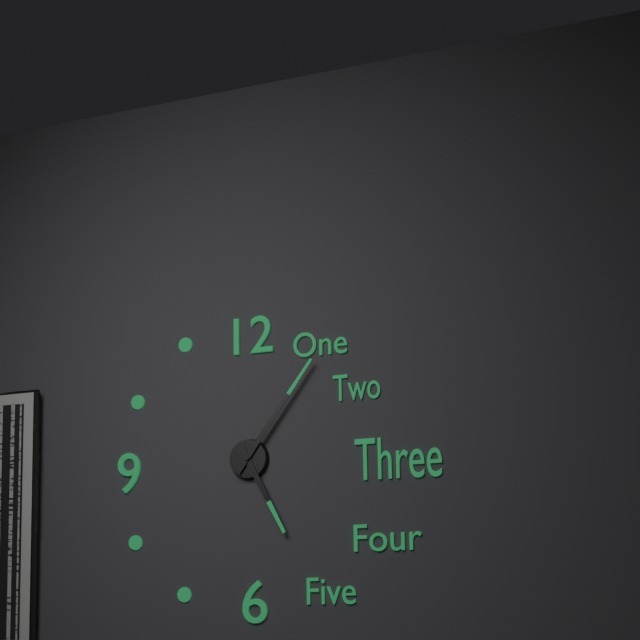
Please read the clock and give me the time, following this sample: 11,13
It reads 5,06
